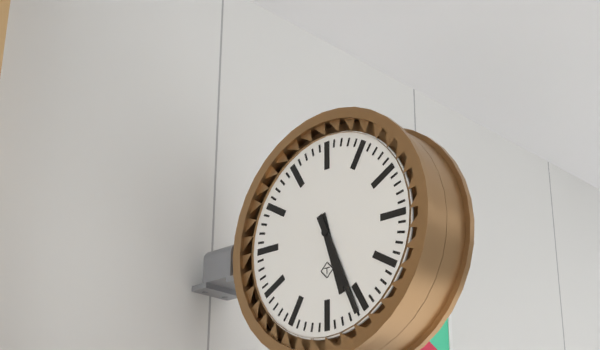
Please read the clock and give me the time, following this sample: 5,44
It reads 5,26
